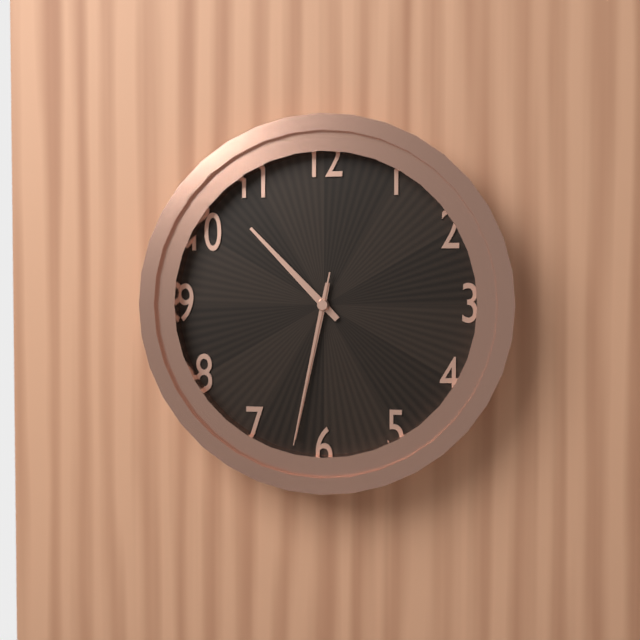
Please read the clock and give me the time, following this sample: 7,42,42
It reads 10,32,32
